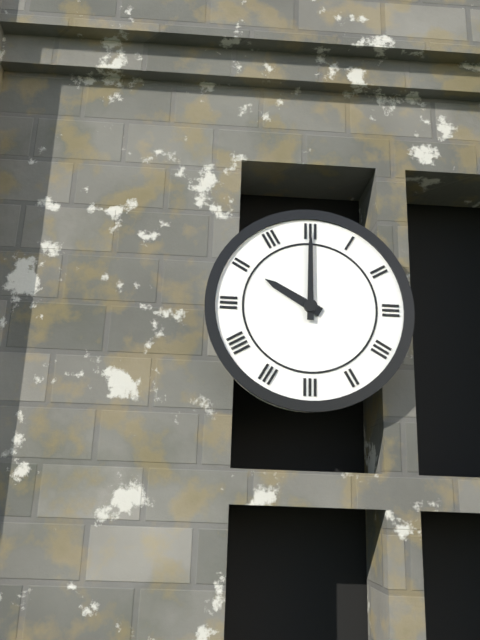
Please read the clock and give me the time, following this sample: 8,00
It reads 10,00
